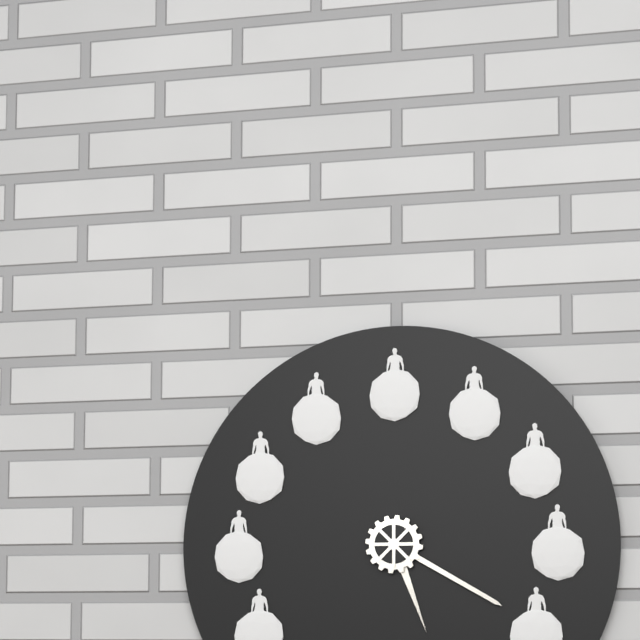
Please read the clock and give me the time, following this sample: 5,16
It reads 5,20
